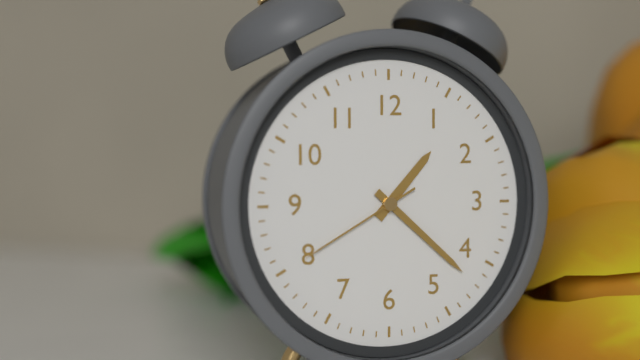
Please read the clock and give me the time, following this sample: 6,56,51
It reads 1,22,40
